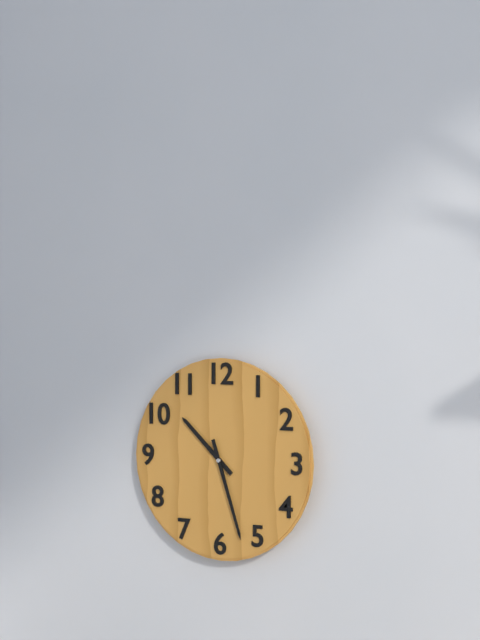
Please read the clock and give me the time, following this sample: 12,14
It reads 10,27
